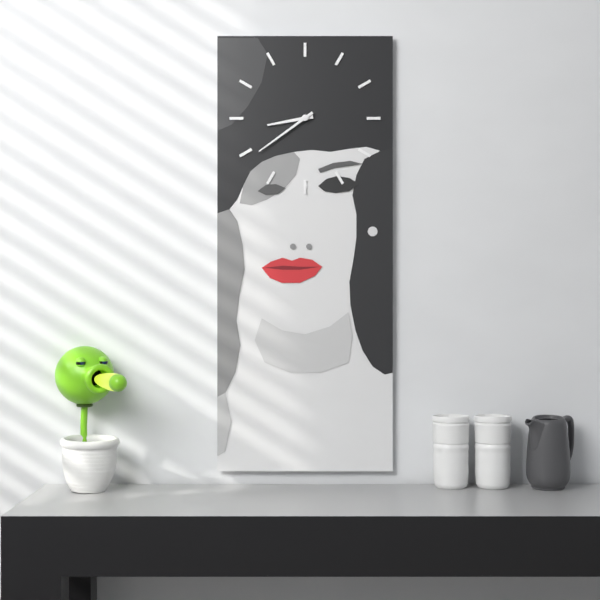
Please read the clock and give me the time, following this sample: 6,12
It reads 8,39
